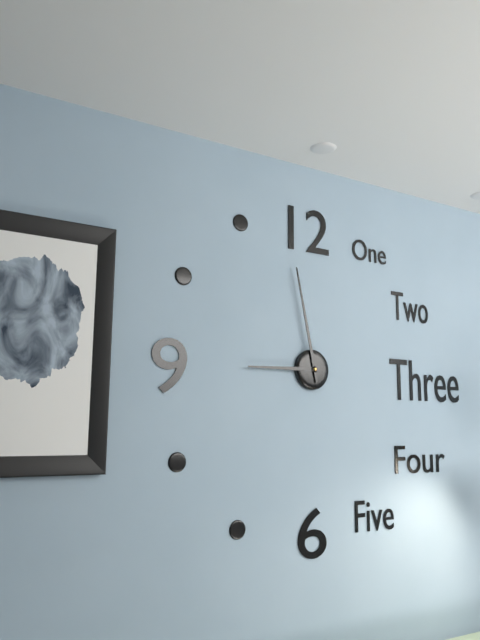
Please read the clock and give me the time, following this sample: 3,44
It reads 8,58
